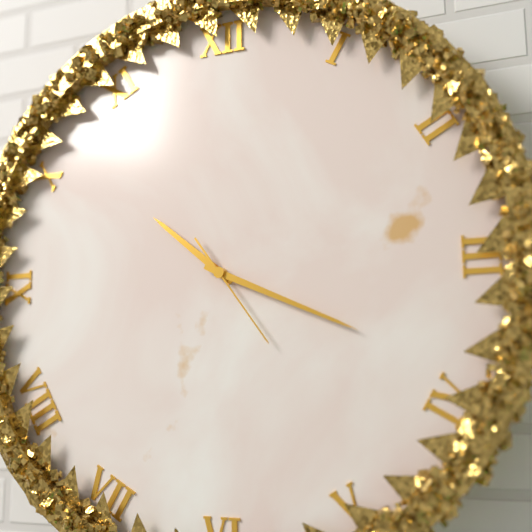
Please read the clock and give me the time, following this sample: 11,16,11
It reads 10,19,24
